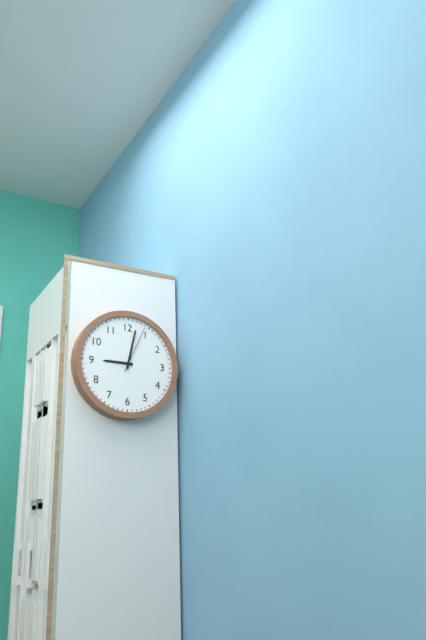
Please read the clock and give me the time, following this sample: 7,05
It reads 9,02
